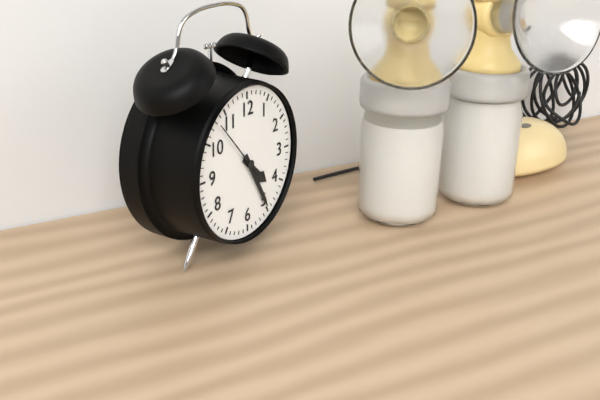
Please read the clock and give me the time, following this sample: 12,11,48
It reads 4,25,53
